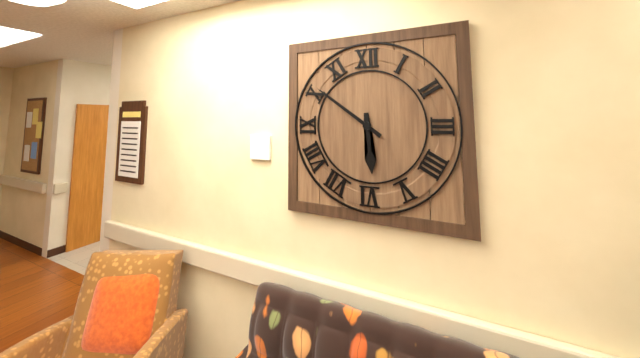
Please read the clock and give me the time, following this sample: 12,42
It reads 5,51
